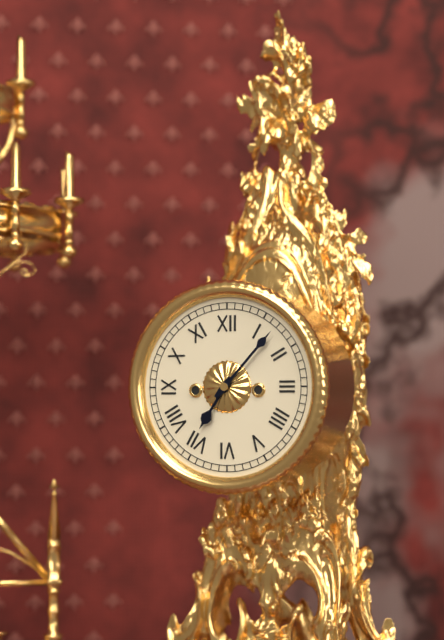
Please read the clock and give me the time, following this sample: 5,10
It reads 7,07
